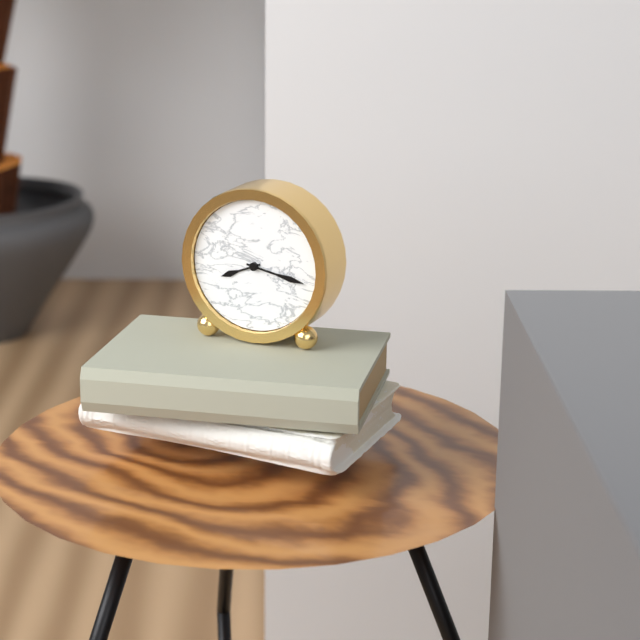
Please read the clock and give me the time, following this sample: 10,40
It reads 8,17
